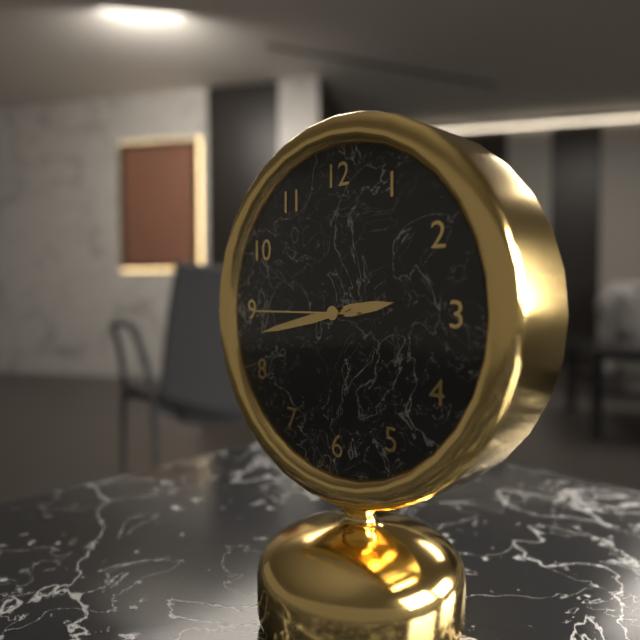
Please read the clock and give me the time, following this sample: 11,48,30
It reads 2,43,45
